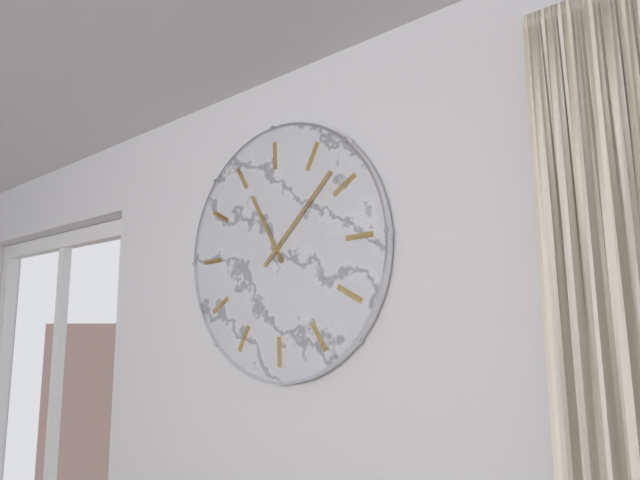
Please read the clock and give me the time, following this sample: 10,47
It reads 10,03
